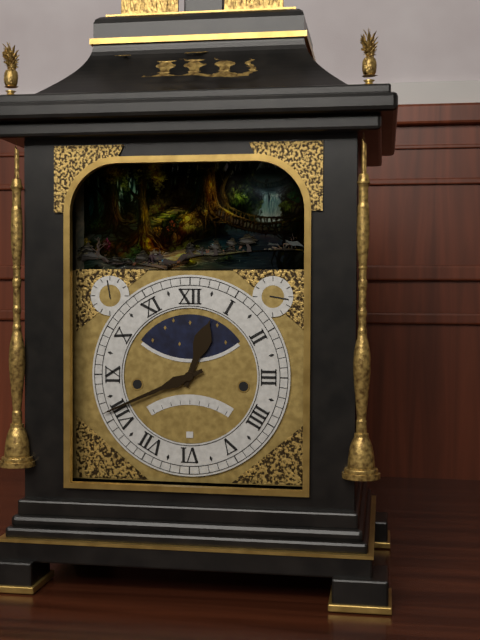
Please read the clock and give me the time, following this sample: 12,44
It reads 12,41
